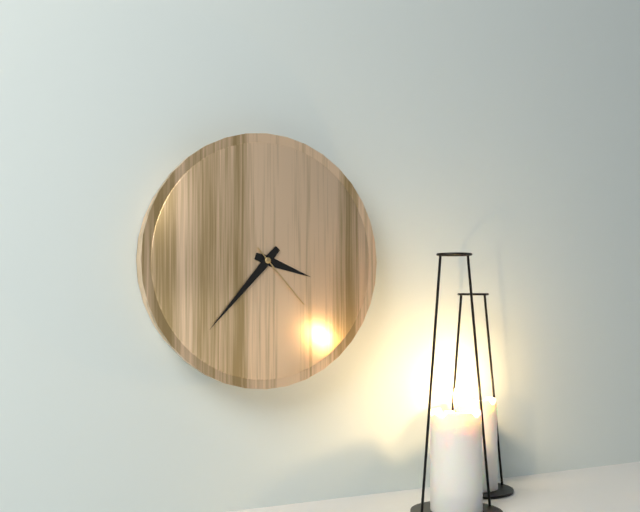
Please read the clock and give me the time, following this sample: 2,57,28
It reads 3,37,23
